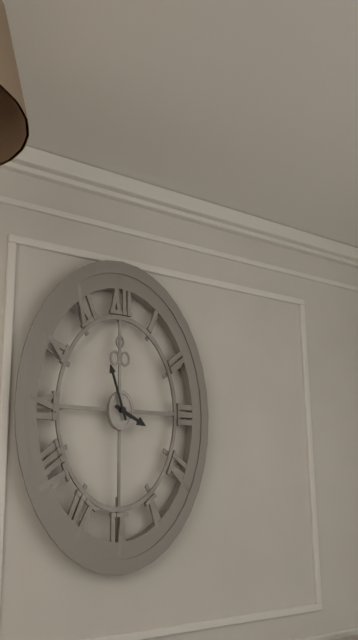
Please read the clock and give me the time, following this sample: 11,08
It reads 3,57
